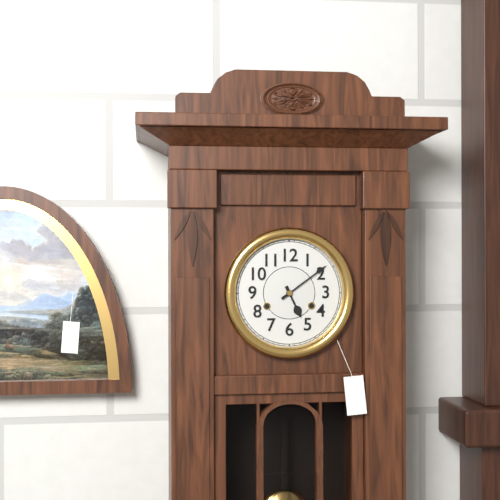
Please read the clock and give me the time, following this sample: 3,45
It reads 5,09
